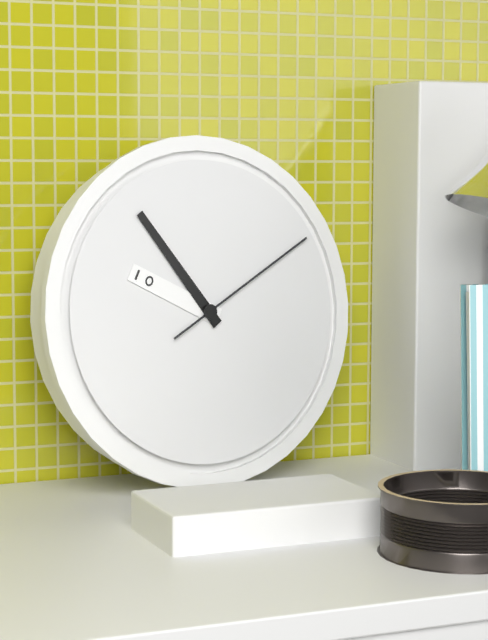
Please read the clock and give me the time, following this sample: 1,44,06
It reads 9,54,10
